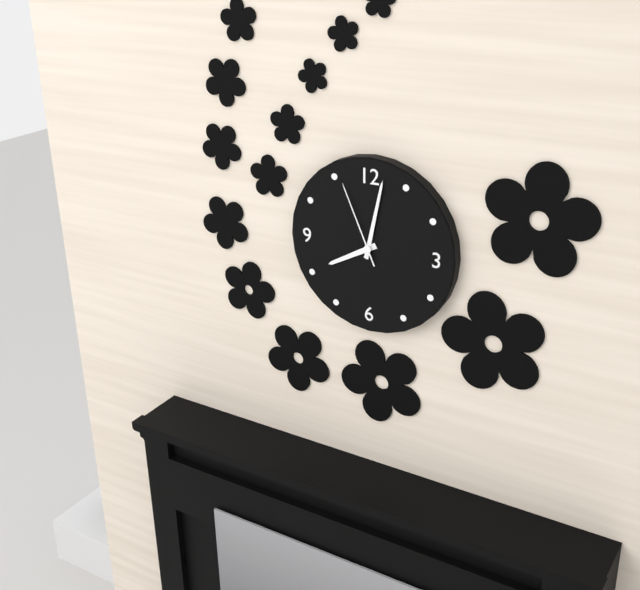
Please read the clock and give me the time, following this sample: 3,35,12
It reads 8,02,56
